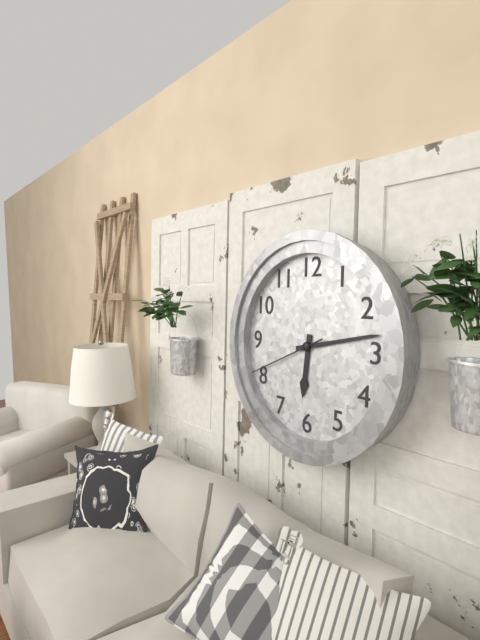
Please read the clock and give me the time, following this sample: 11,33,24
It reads 6,13,41
